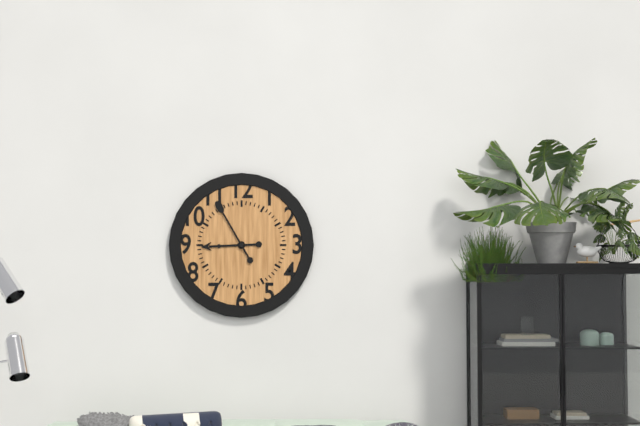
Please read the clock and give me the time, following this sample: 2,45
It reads 8,55
